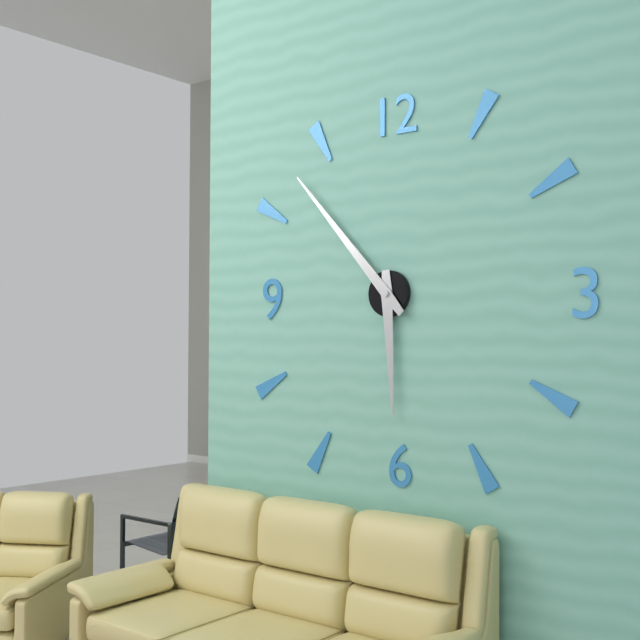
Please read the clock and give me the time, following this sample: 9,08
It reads 5,53
